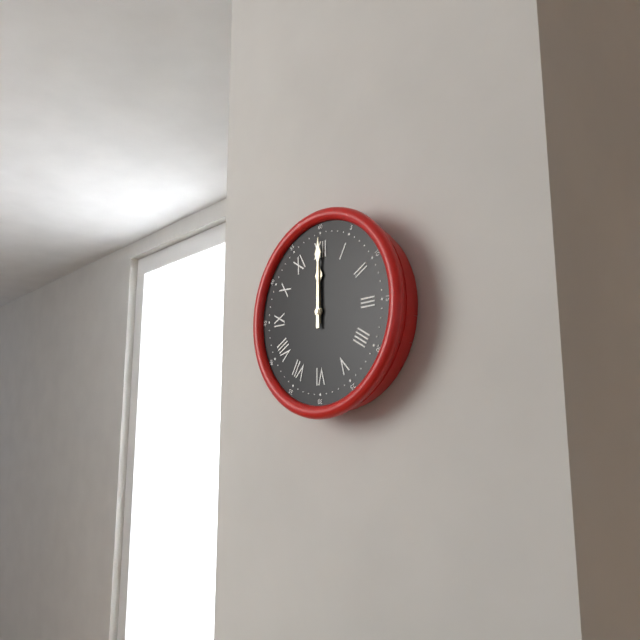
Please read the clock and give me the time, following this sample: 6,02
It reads 12,00
